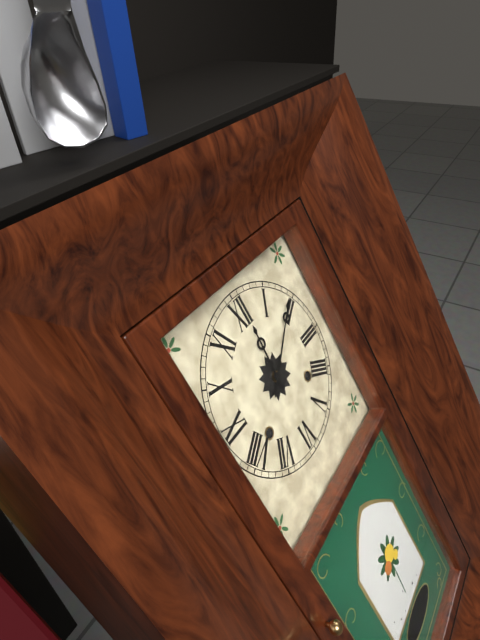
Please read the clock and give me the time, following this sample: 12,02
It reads 12,09
